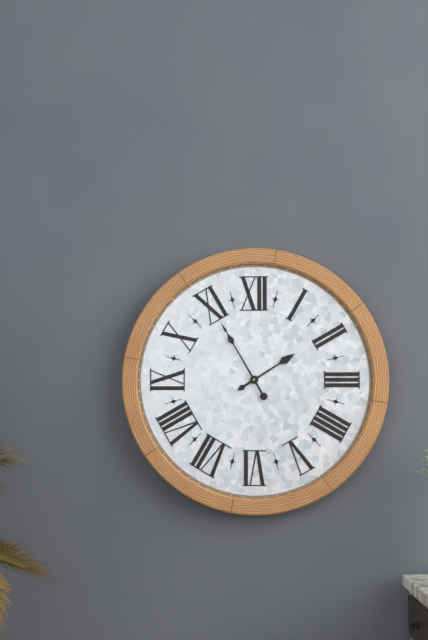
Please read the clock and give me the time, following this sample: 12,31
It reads 1,55
